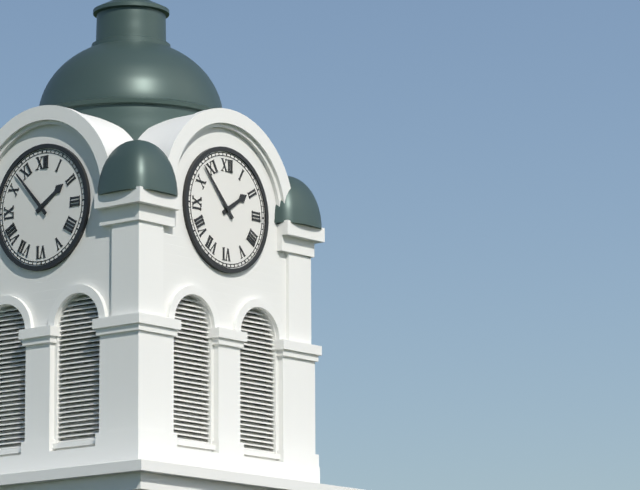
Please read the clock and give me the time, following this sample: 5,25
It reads 1,53
